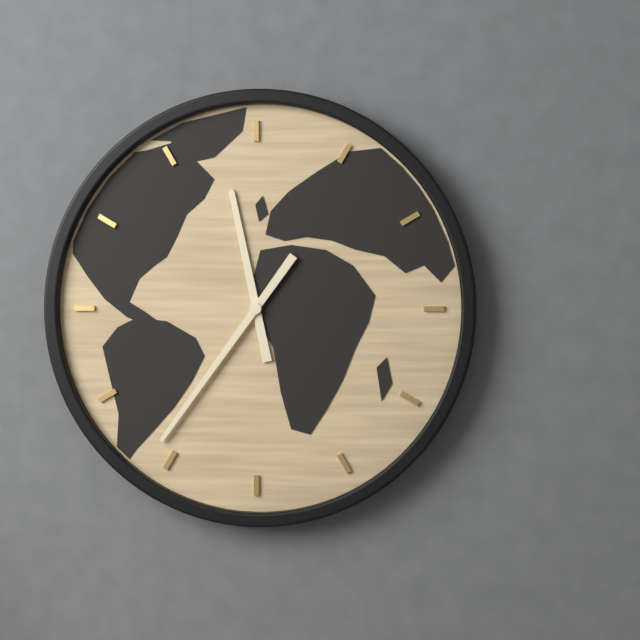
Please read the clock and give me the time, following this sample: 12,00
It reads 11,36
